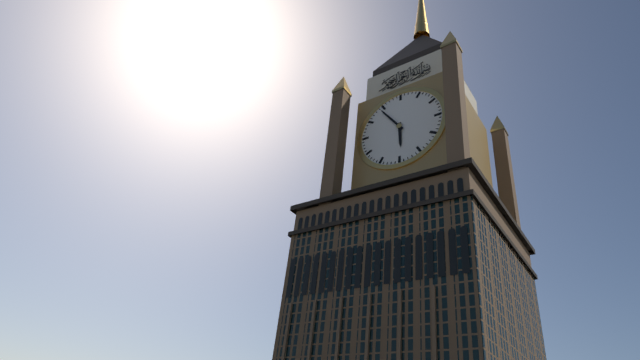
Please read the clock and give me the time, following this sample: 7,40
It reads 5,54
